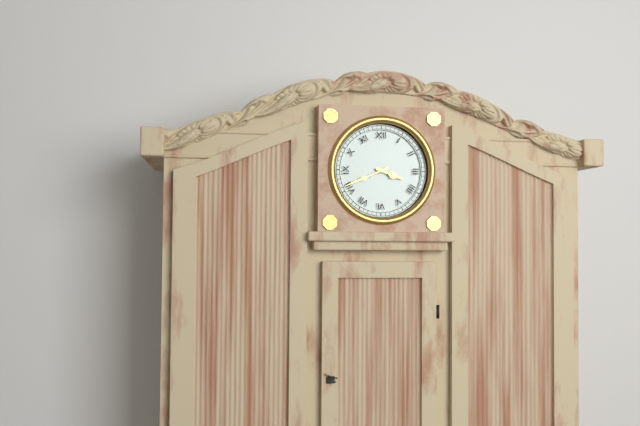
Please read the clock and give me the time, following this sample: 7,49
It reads 3,41
